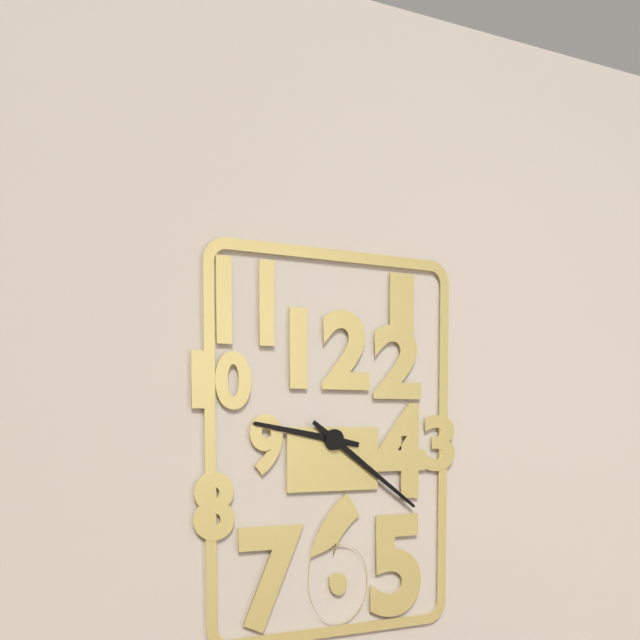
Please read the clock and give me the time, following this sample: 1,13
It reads 9,21
